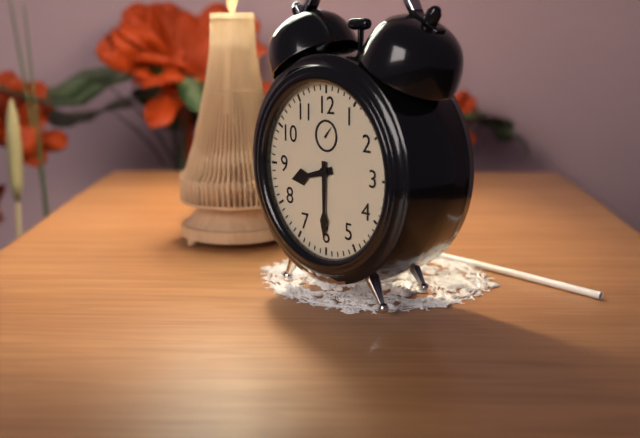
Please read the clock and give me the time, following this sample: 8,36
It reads 8,30
